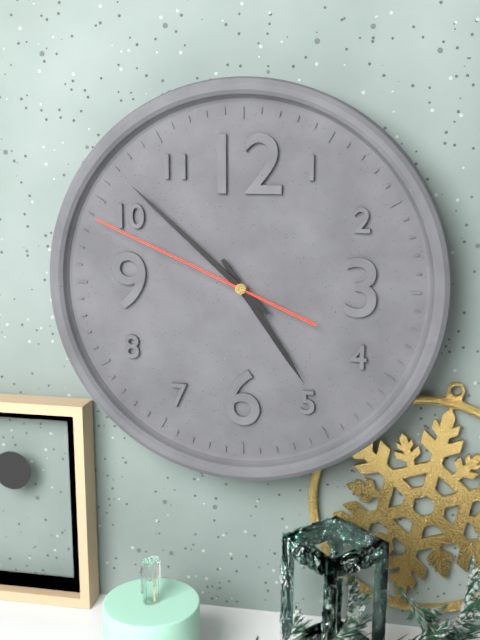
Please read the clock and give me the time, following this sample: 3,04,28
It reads 4,52,49
